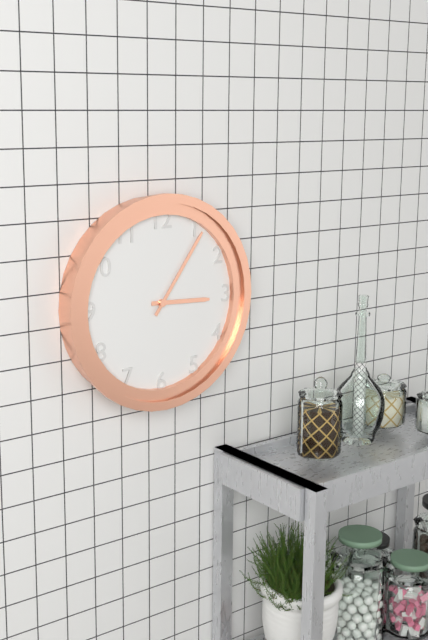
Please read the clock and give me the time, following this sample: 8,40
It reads 3,06
